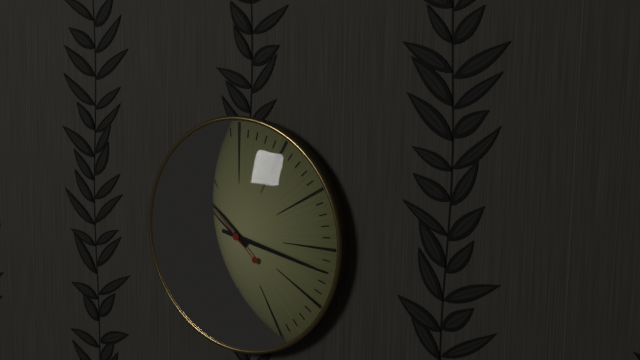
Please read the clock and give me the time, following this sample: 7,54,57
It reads 10,17,52
